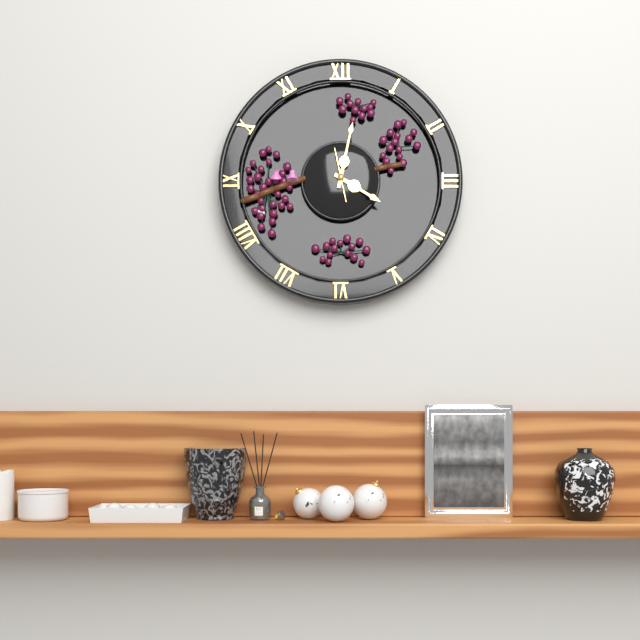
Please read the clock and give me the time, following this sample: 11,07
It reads 4,02
